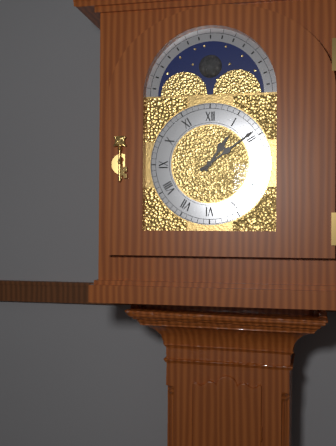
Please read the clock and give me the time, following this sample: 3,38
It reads 1,09
